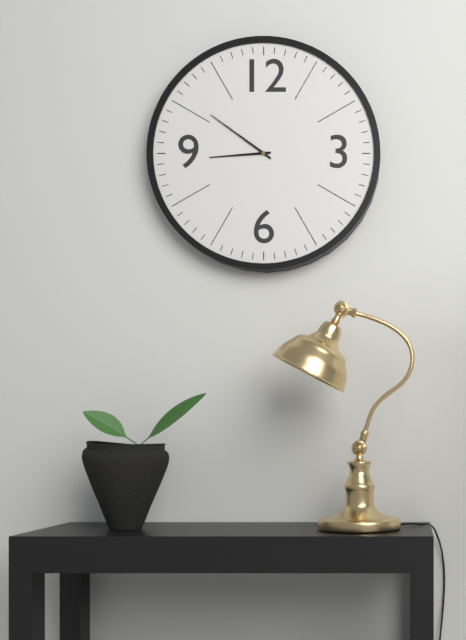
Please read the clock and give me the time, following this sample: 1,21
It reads 8,51
